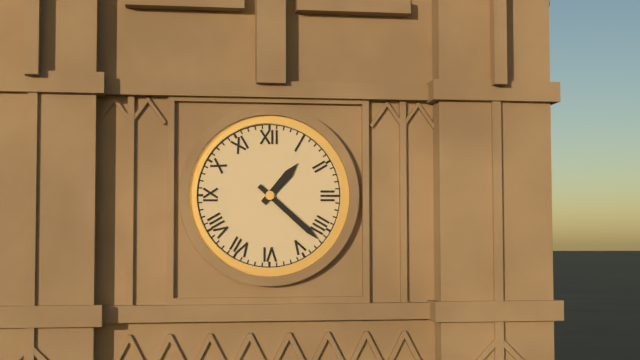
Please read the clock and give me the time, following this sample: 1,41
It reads 1,22
